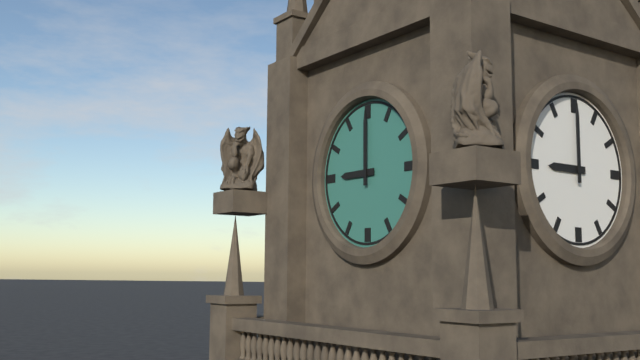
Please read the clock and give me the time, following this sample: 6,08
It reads 9,00
